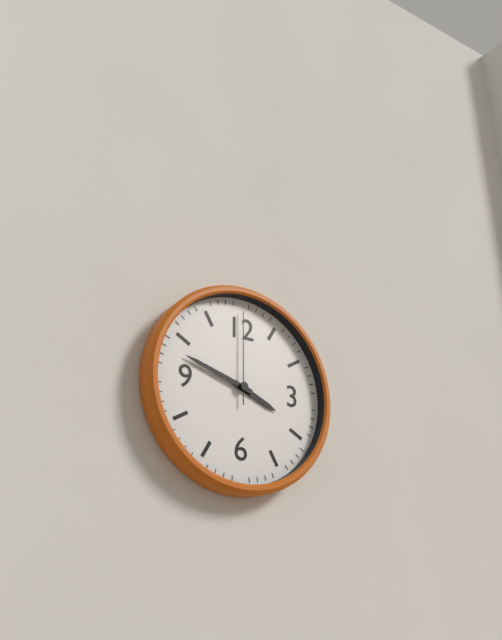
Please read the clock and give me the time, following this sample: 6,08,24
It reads 3,48,00
